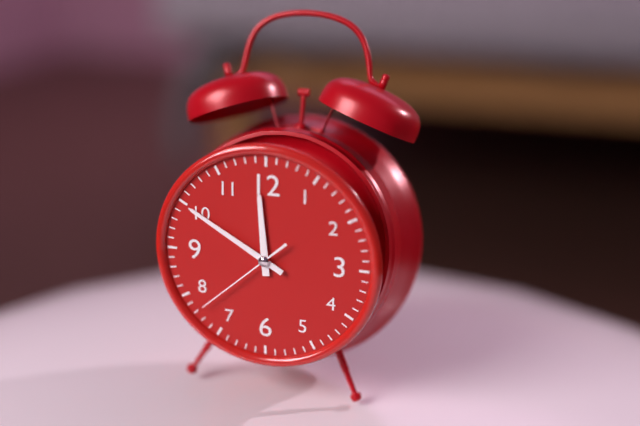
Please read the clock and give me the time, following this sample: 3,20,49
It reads 11,50,38
